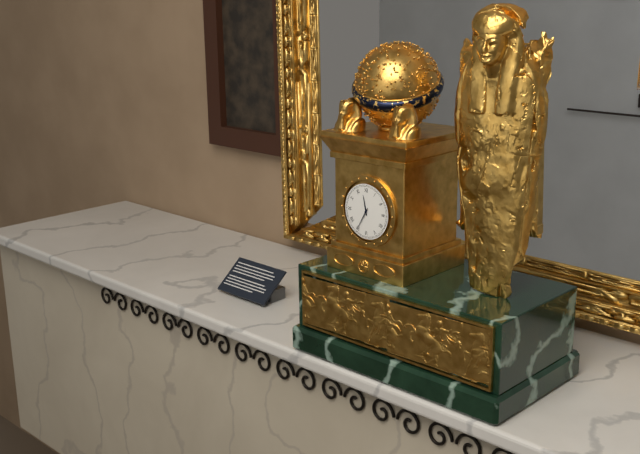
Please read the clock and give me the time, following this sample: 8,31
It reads 11,35
